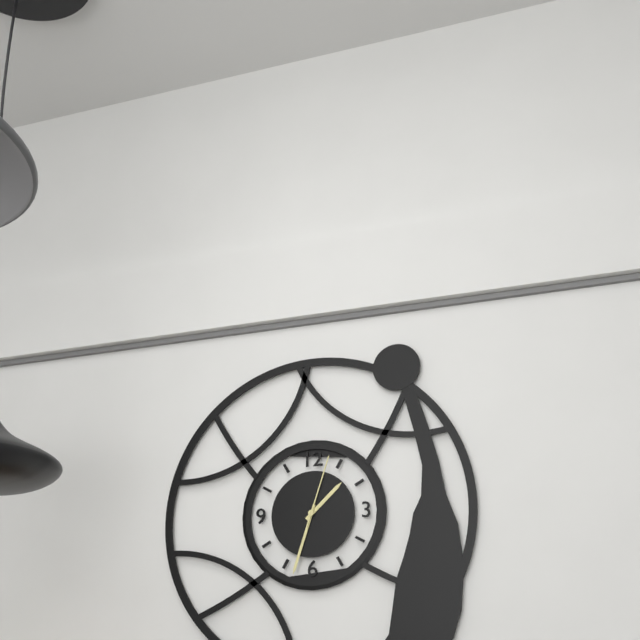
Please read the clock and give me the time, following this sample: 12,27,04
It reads 1,33,03
